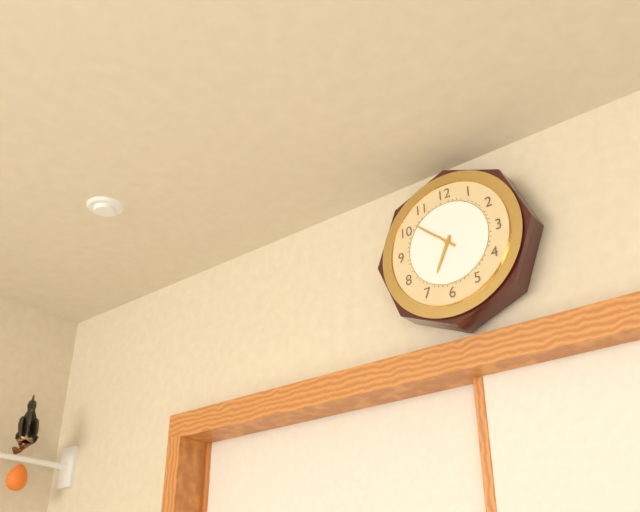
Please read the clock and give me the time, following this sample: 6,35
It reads 6,52
